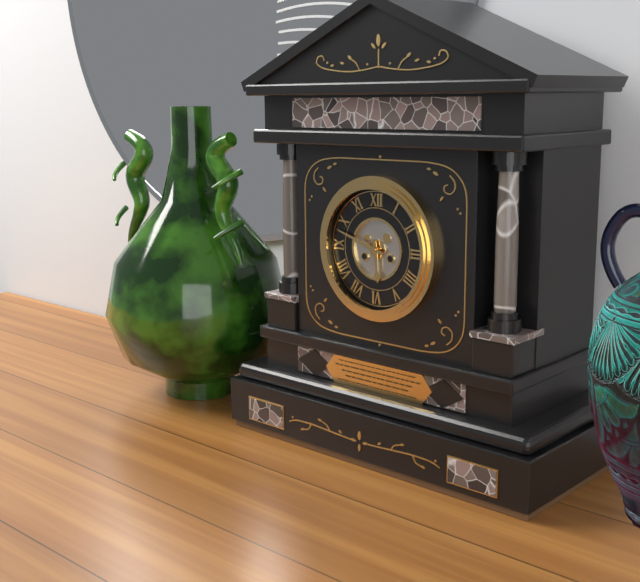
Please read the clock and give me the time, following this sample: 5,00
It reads 5,48
